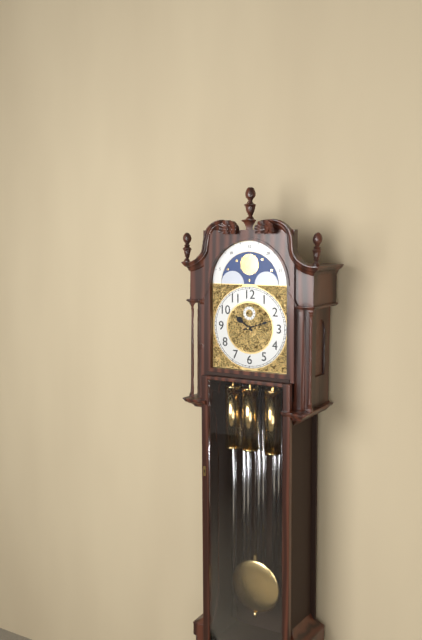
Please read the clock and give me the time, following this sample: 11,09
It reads 10,12
